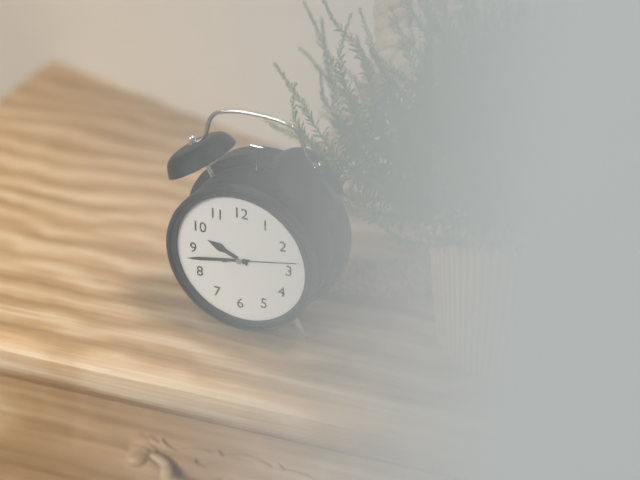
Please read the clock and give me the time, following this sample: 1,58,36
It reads 9,43,13
